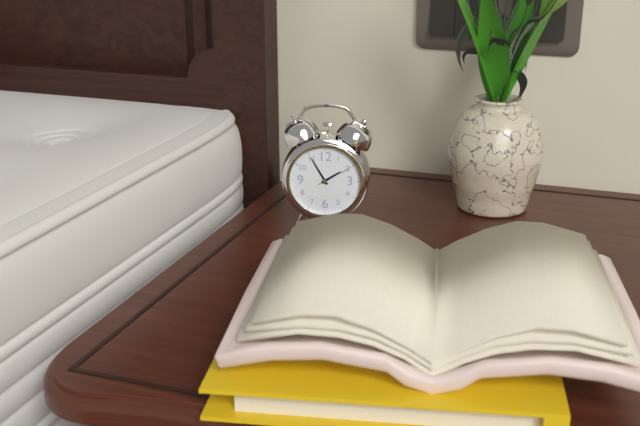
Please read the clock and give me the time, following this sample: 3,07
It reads 1,55
